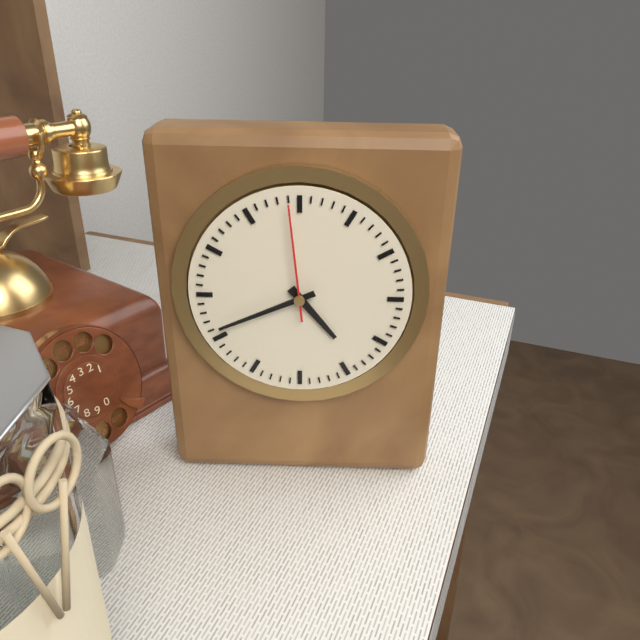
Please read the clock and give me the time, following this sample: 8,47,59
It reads 4,41,59
